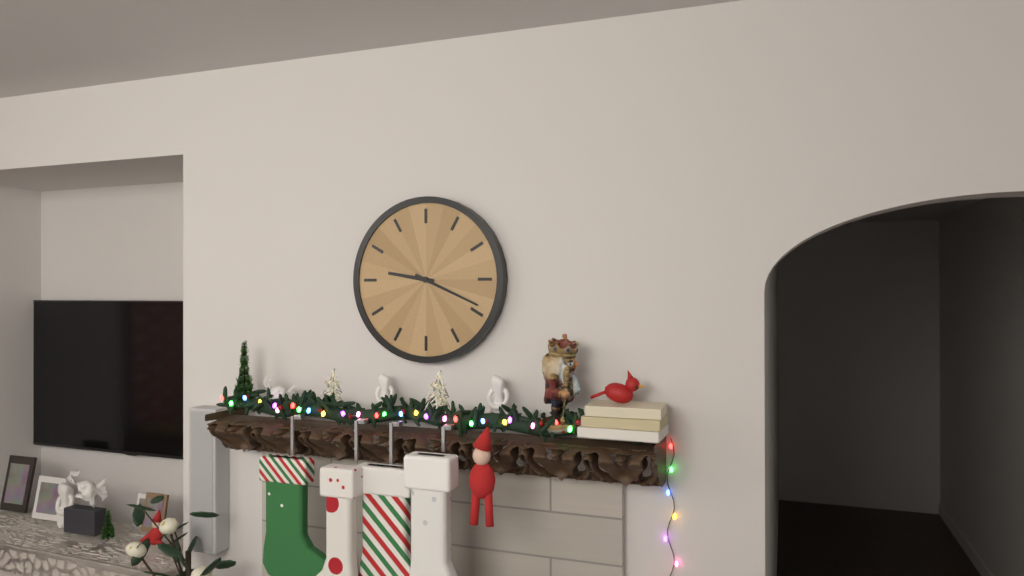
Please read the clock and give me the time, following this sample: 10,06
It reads 9,19
